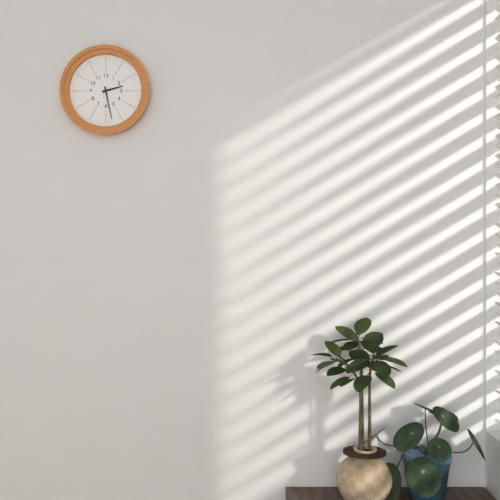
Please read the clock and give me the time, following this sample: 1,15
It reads 2,28
